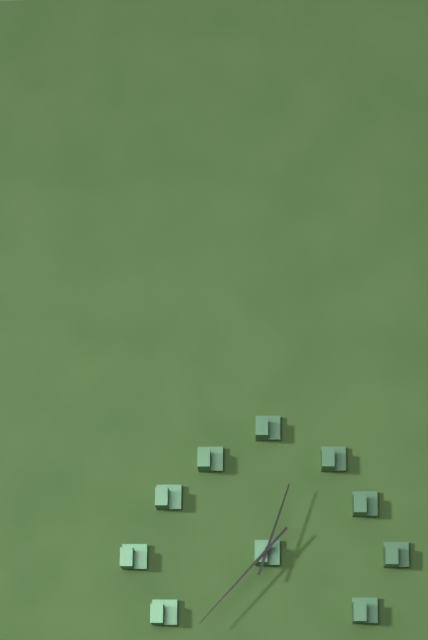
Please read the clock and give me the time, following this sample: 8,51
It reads 12,37
